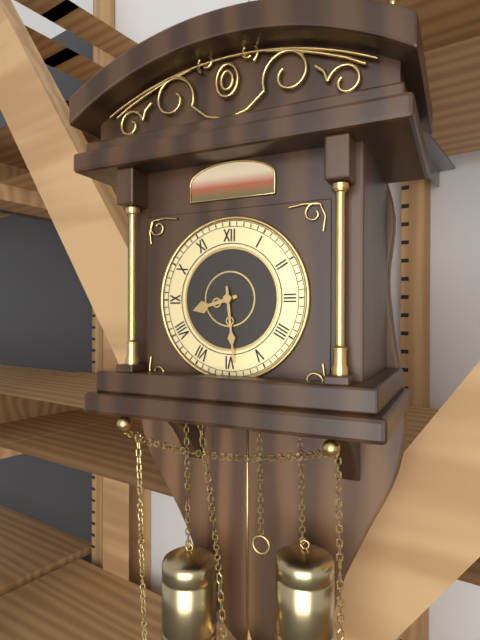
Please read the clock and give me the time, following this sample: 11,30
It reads 8,29
